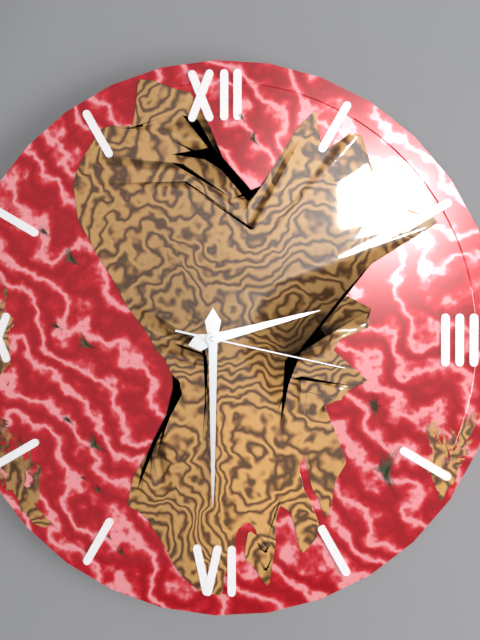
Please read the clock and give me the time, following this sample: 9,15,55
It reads 2,30,17
